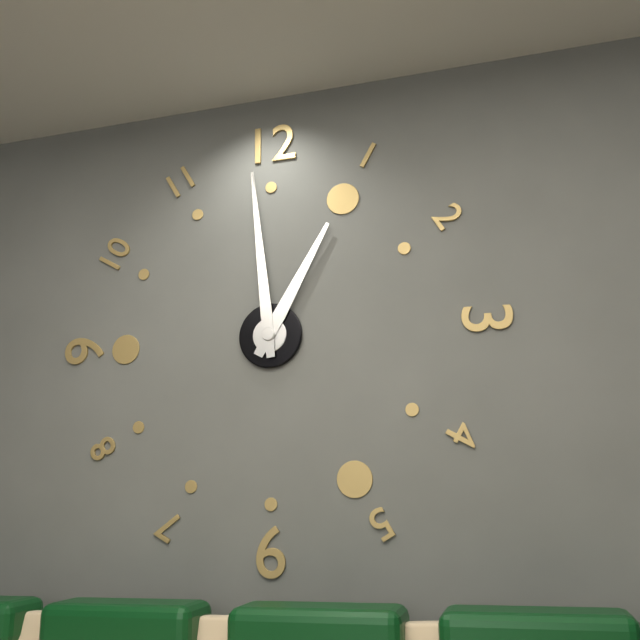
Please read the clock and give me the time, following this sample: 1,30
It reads 12,59
